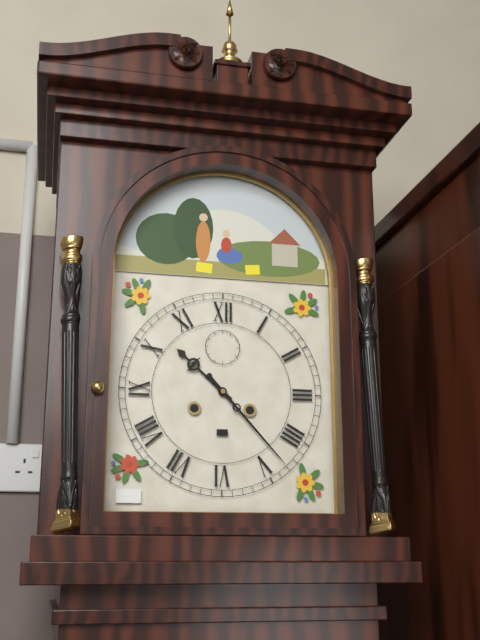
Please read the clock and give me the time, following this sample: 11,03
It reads 10,23
